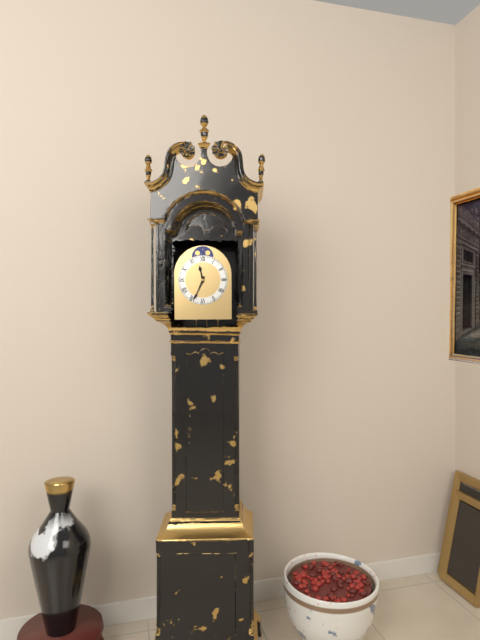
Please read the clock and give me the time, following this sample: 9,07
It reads 11,34
